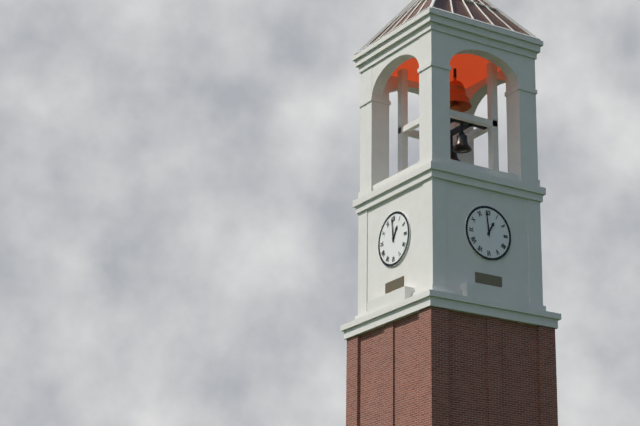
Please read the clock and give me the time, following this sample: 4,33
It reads 12,59
